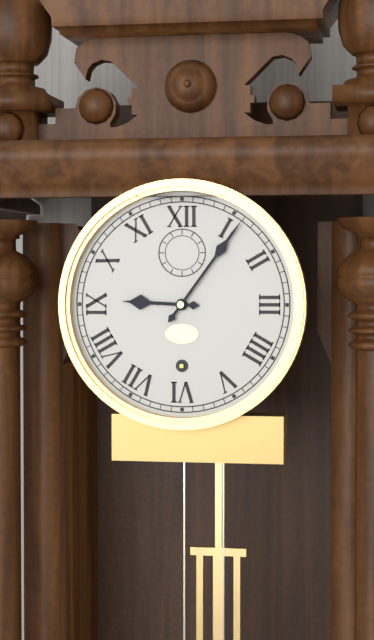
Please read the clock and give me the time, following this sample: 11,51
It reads 9,06
